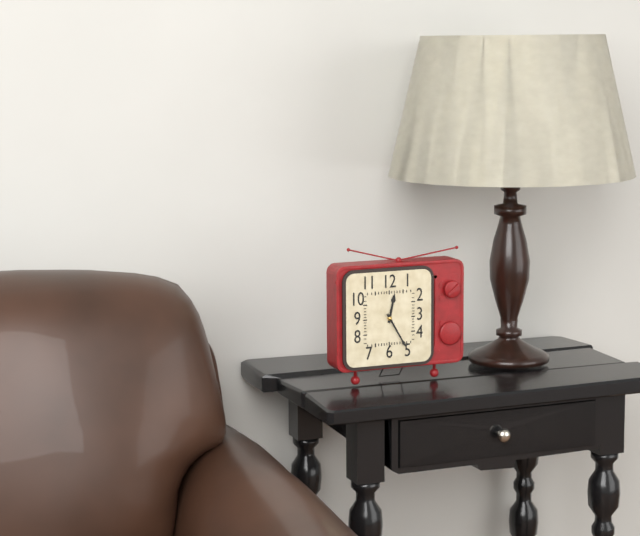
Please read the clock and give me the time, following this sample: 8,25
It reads 12,25
